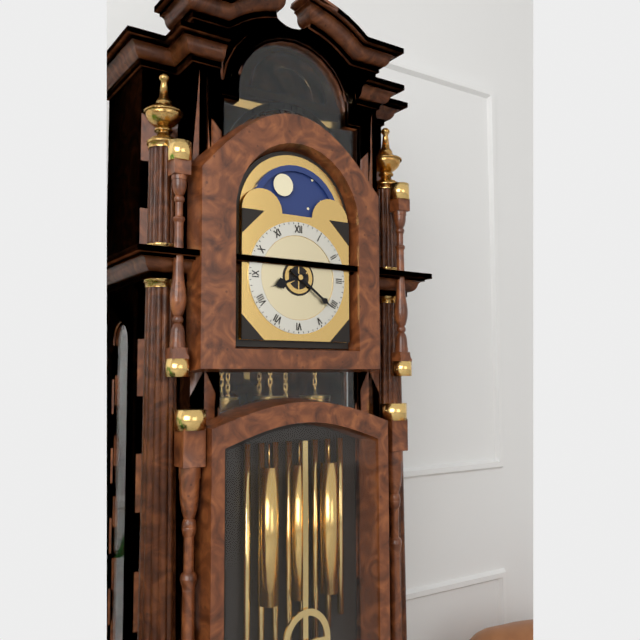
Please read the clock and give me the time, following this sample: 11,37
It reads 8,21
